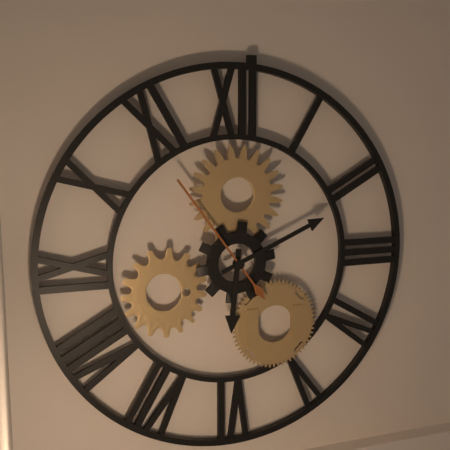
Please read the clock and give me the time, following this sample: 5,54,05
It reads 6,11,54
